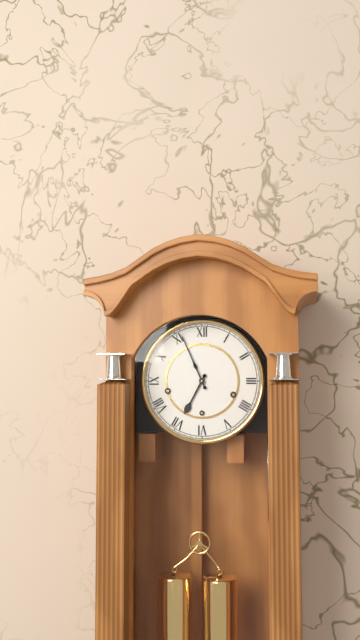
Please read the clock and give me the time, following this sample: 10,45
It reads 6,56
